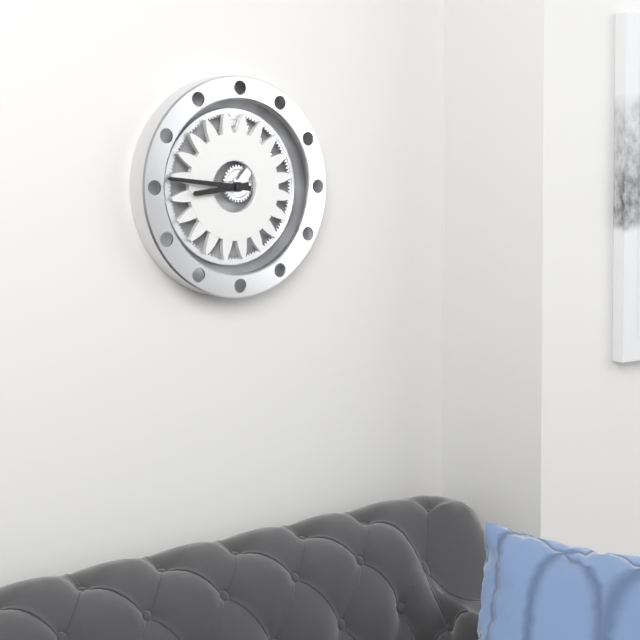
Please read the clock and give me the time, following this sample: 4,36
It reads 8,46
